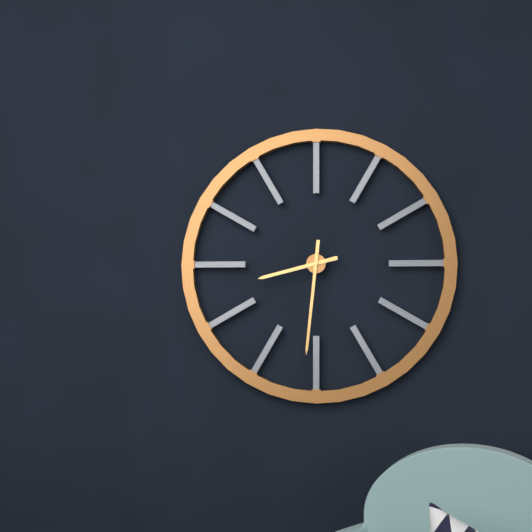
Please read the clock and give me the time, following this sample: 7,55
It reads 8,31
